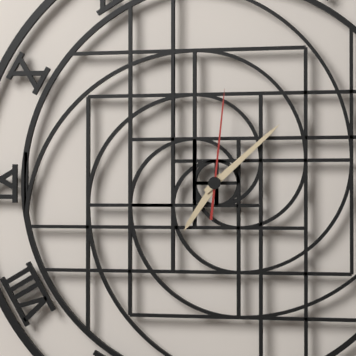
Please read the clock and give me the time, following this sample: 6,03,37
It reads 7,08,01
